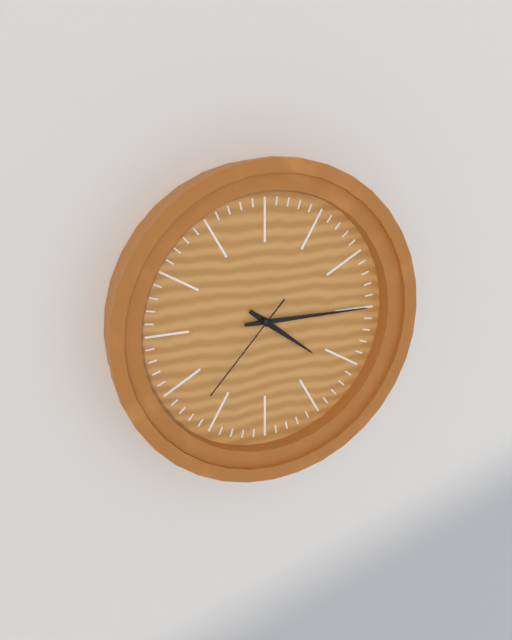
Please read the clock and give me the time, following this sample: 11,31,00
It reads 4,15,37
